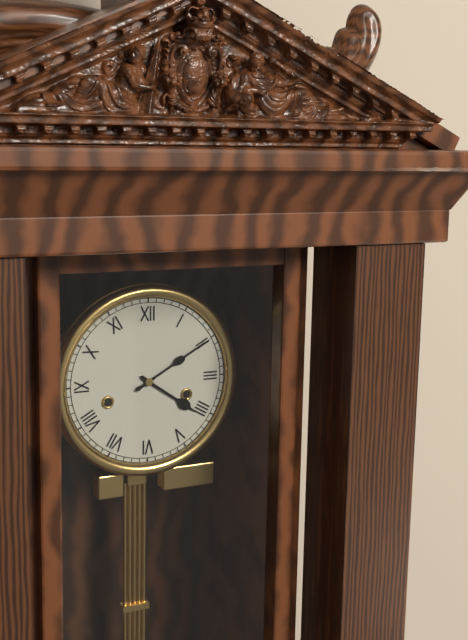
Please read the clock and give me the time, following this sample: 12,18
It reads 4,10
